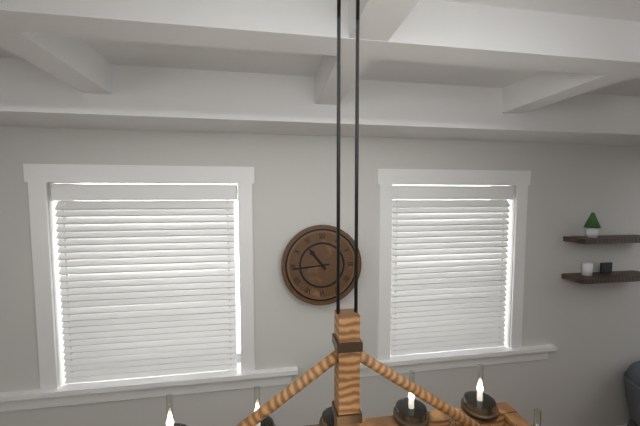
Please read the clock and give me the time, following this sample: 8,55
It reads 10,44
